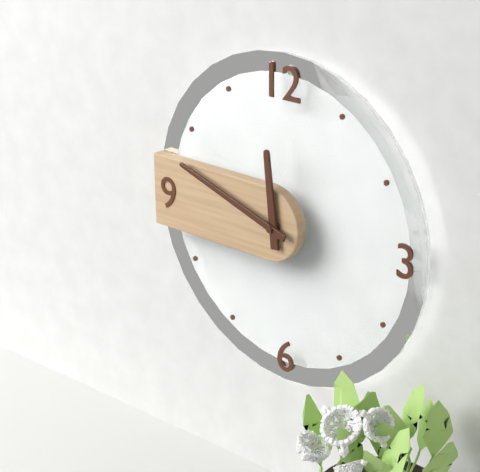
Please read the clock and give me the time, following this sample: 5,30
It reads 11,48
